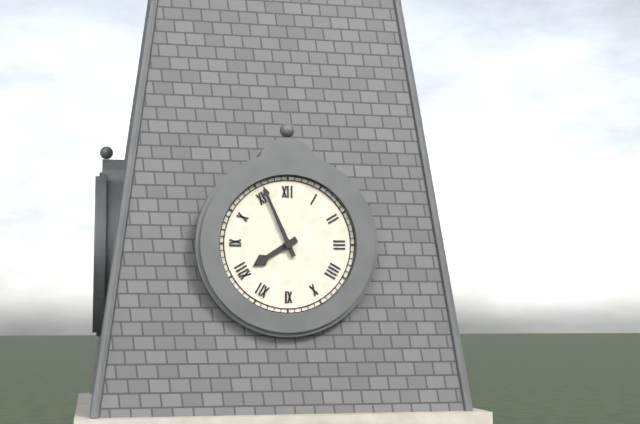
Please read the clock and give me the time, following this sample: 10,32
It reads 7,56
